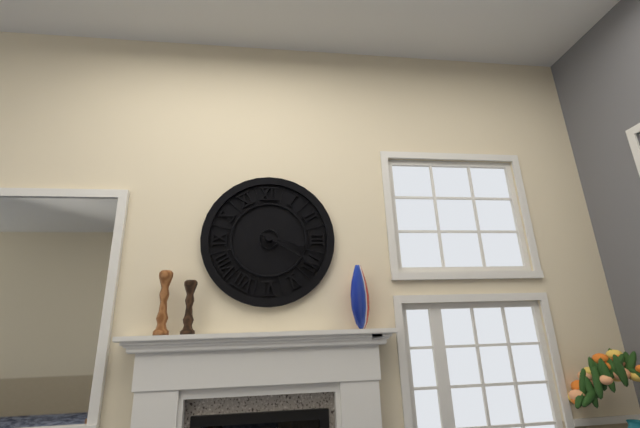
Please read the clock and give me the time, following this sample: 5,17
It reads 3,20
